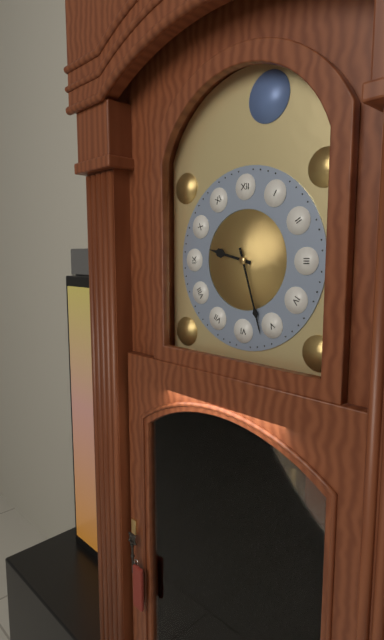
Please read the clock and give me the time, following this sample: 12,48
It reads 9,27
